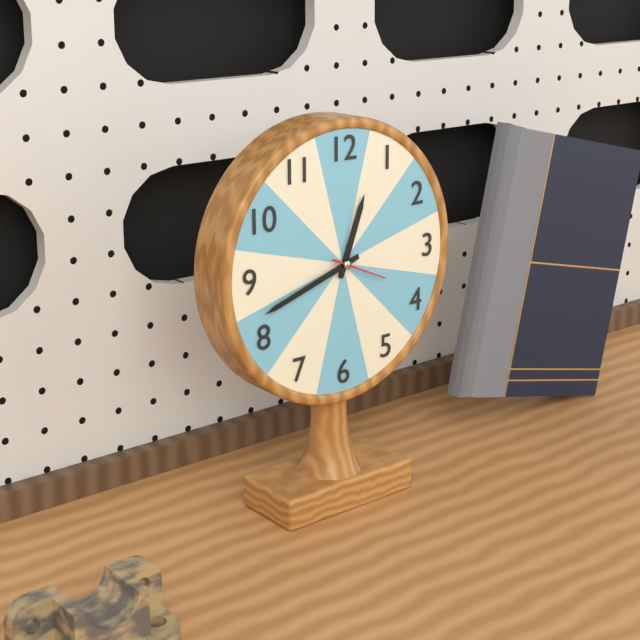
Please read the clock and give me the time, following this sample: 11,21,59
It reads 12,42,19
